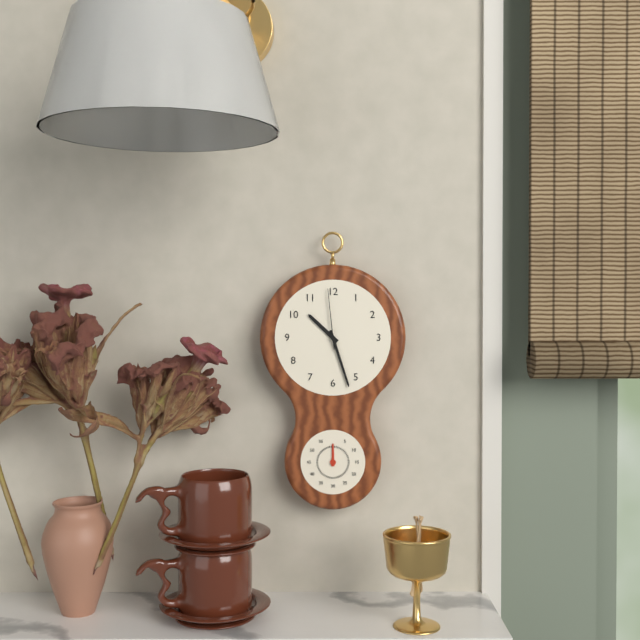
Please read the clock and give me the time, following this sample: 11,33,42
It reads 10,27,59
